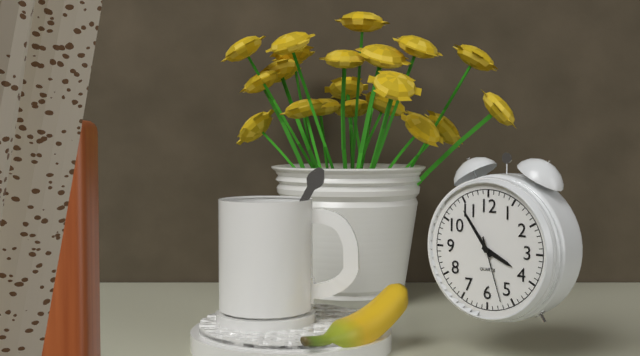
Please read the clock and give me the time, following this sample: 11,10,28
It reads 3,54,27
